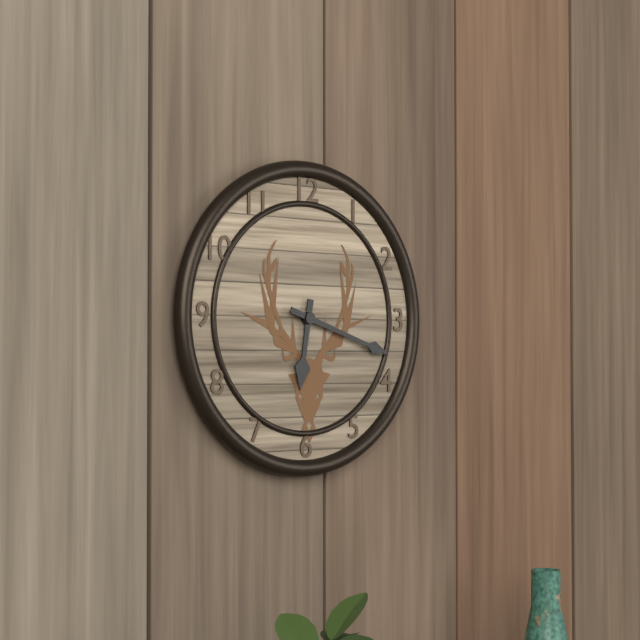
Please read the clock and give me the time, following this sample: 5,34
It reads 6,18
